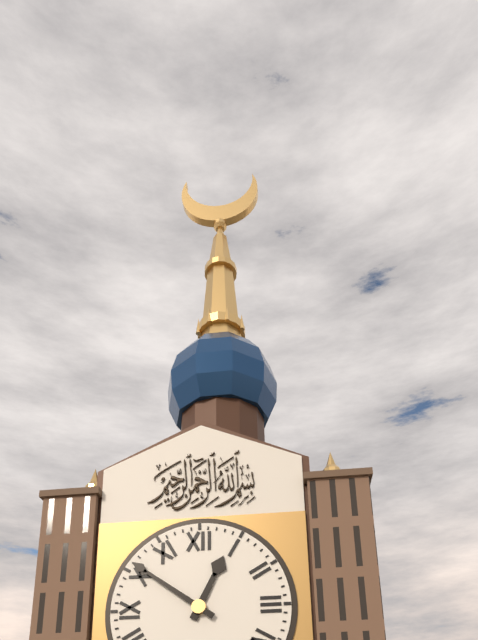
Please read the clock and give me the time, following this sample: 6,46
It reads 12,51
